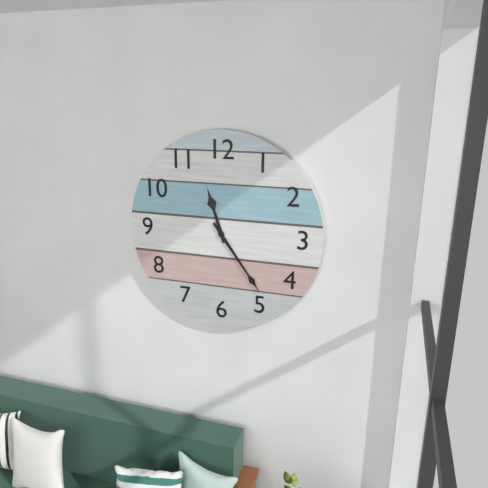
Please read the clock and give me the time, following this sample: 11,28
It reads 11,24
